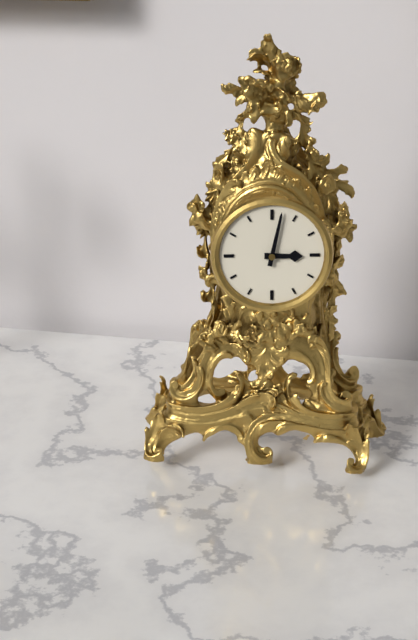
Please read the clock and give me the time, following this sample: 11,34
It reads 3,02
